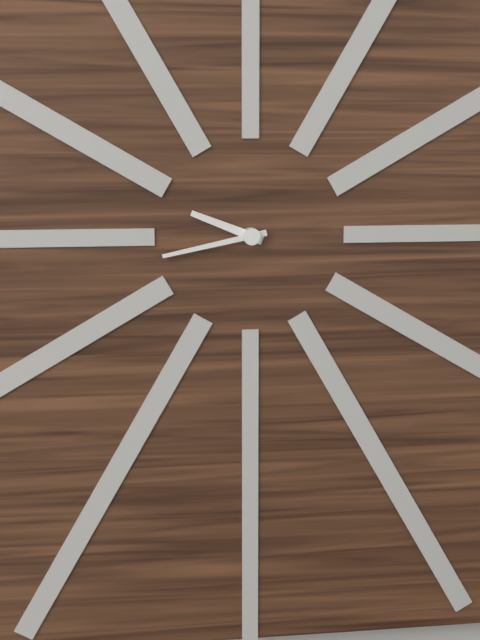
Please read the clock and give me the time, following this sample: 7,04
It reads 9,43
